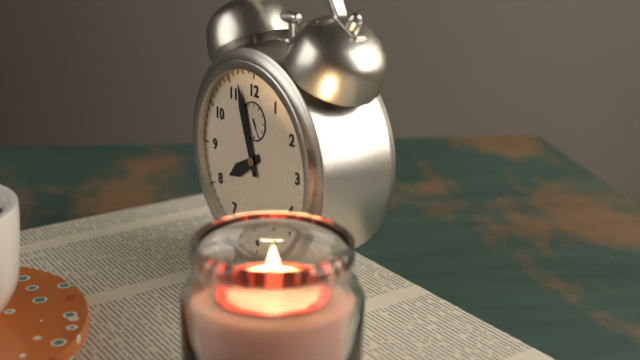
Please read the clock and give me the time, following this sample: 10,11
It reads 7,57
